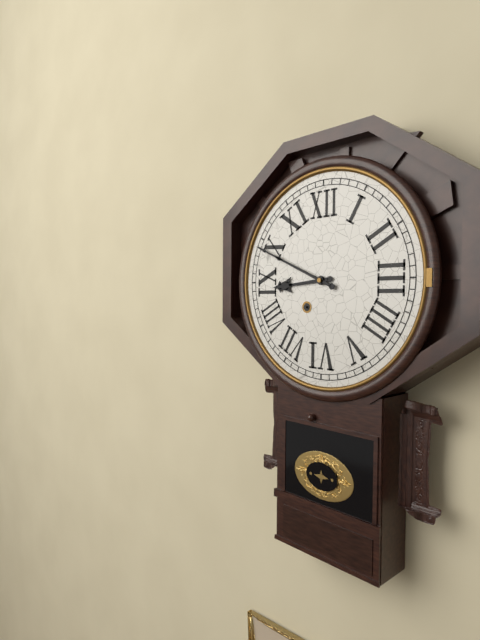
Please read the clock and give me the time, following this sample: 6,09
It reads 8,49
